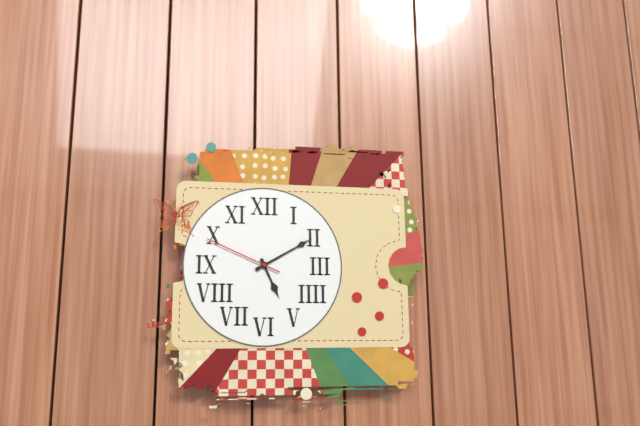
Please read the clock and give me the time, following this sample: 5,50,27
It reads 5,10,49
